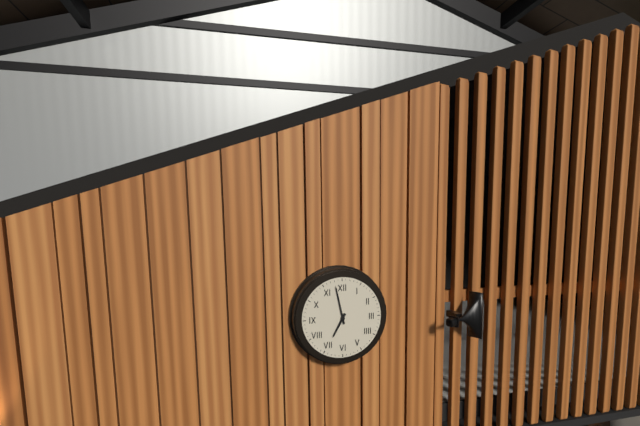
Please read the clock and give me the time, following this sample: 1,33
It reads 6,58
